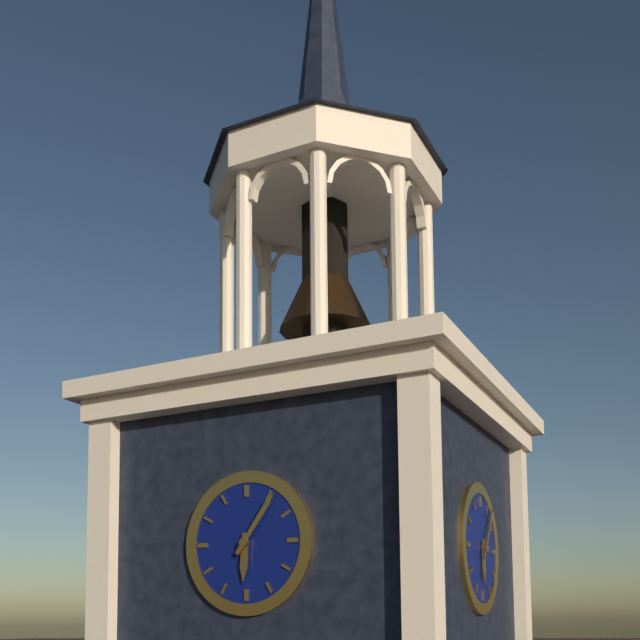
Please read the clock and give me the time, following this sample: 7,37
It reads 6,06
